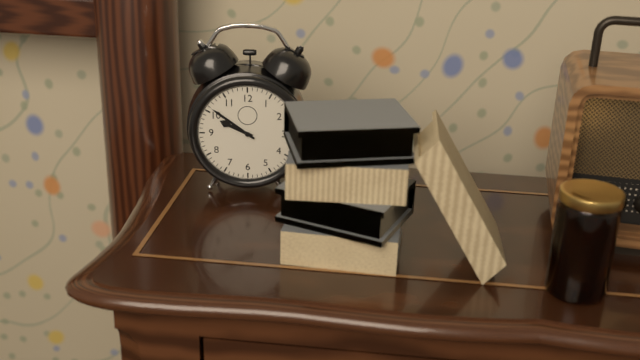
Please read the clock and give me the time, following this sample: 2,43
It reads 9,51
